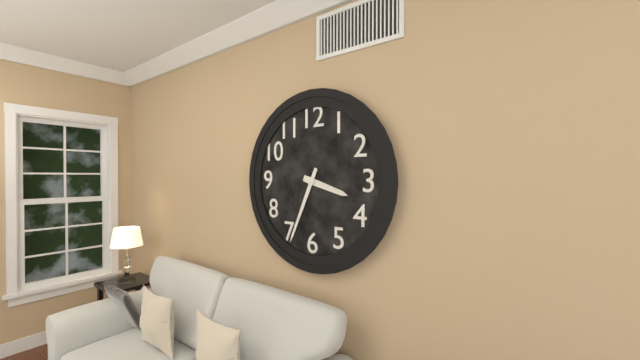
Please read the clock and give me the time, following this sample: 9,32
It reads 3,34
